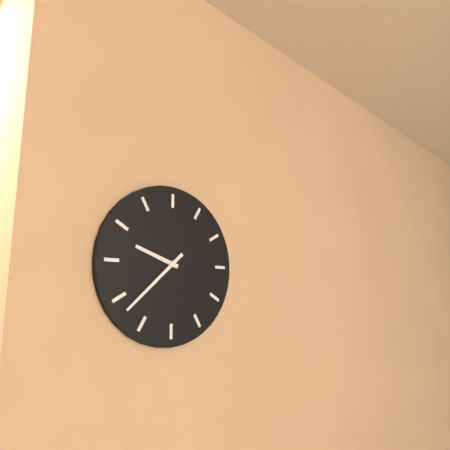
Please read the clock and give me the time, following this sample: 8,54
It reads 9,38
